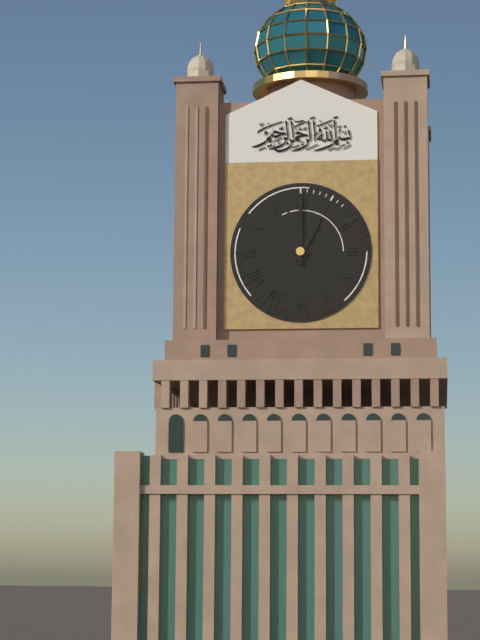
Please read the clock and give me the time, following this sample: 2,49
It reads 1,00
